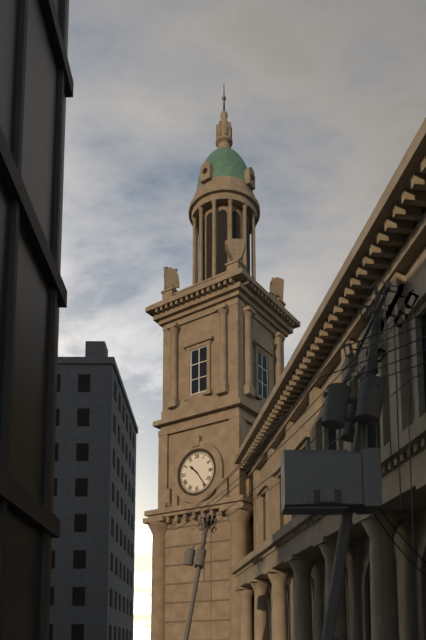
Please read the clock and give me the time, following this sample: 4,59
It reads 10,24
